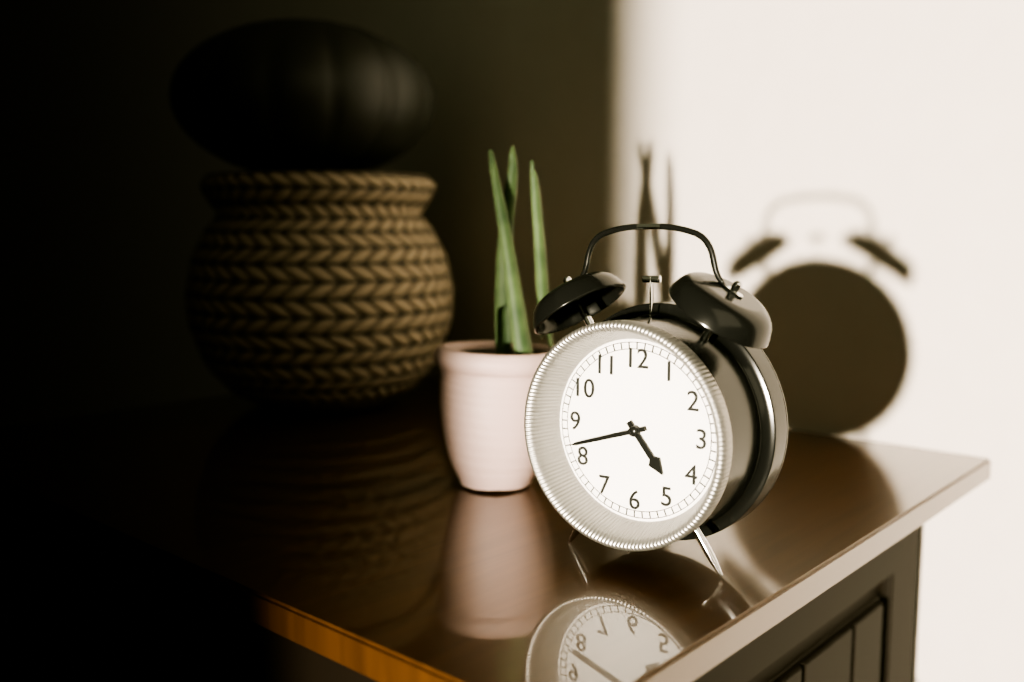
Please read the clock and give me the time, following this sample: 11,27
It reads 4,42
